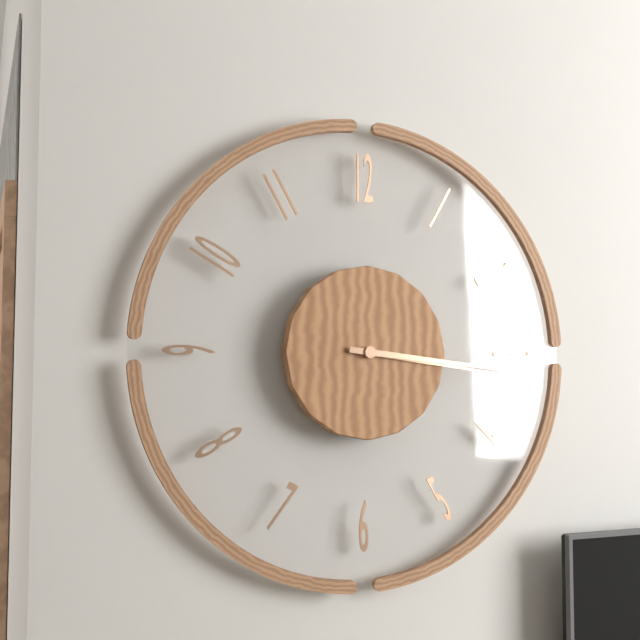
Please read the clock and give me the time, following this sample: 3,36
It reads 3,16
